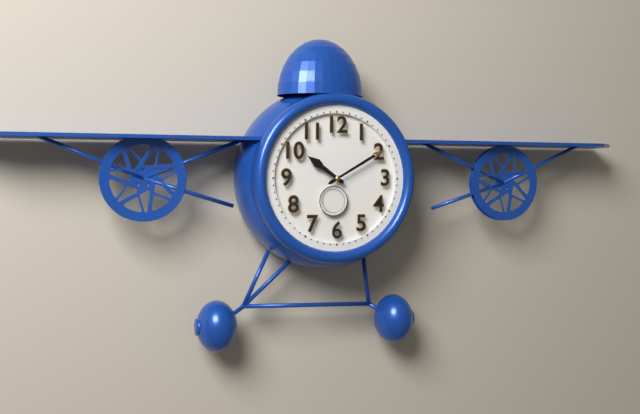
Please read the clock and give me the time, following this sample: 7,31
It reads 10,10
